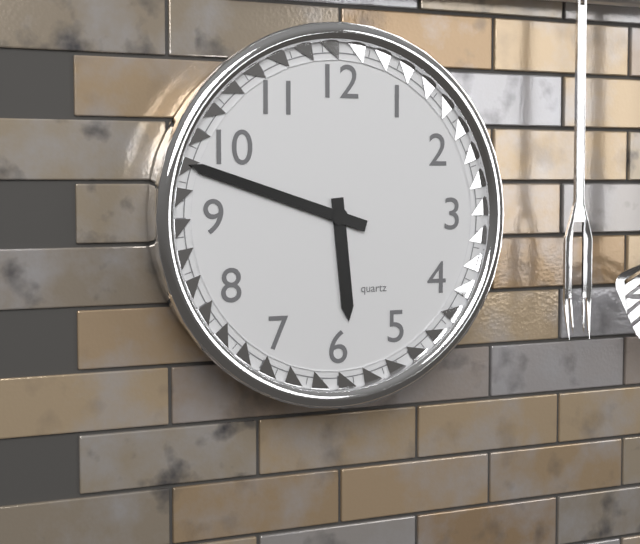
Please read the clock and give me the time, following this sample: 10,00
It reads 5,48
